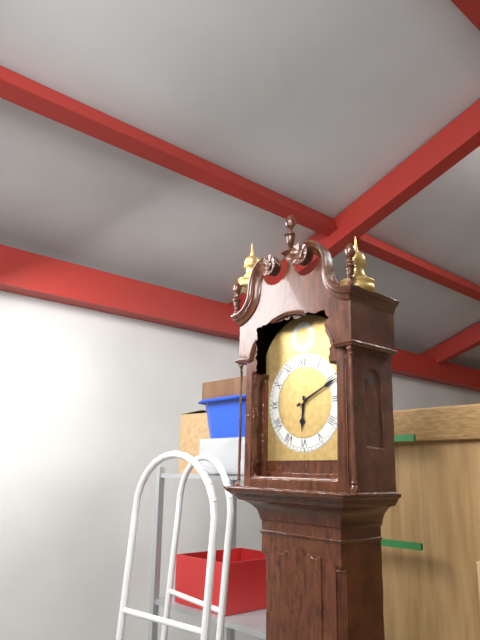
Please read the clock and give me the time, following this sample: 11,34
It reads 6,11
